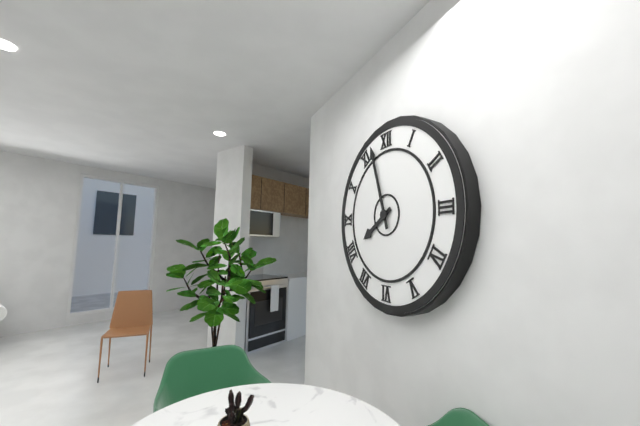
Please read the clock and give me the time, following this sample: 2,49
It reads 7,57
